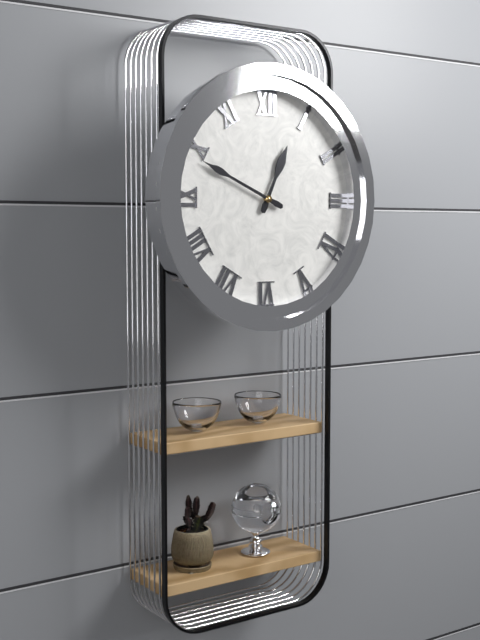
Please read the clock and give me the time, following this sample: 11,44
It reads 12,49
